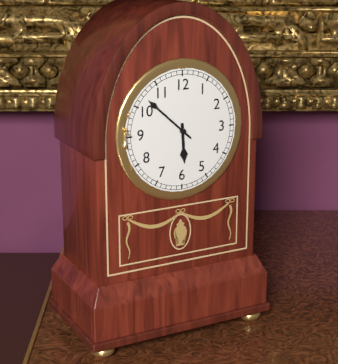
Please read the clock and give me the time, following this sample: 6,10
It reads 5,52
